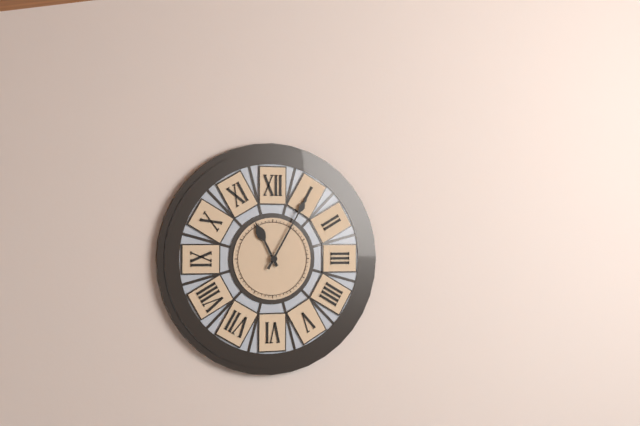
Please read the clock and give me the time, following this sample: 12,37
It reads 11,05
